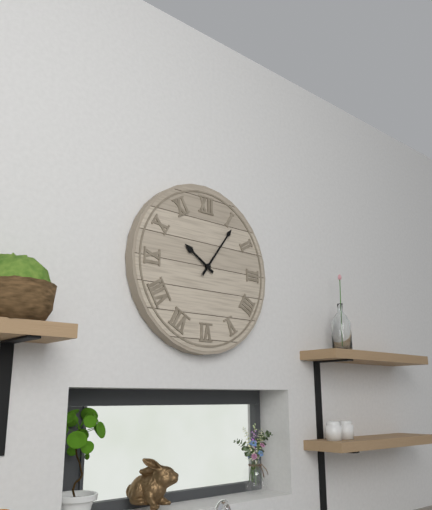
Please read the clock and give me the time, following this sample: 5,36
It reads 10,06
